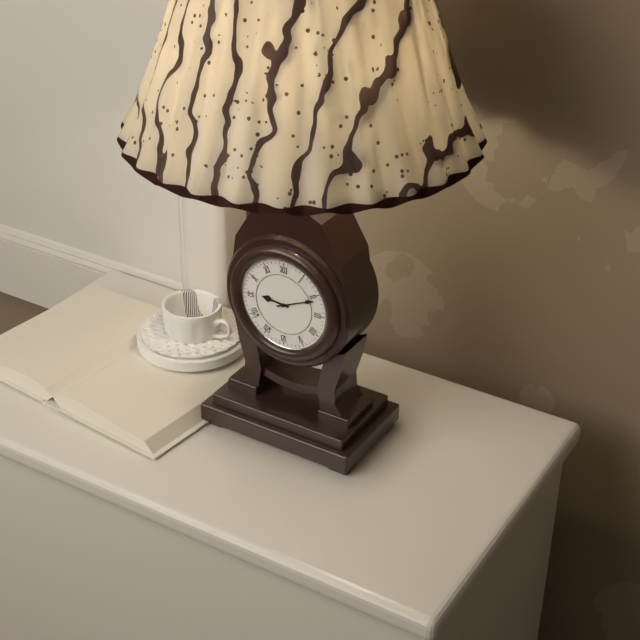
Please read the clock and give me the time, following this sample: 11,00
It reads 9,11
